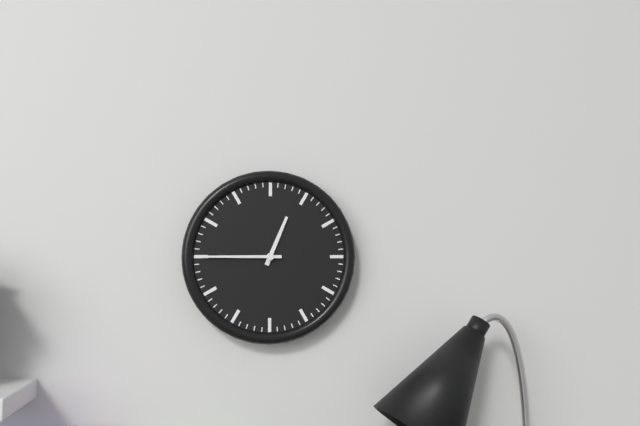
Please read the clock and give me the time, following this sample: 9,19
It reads 12,45
